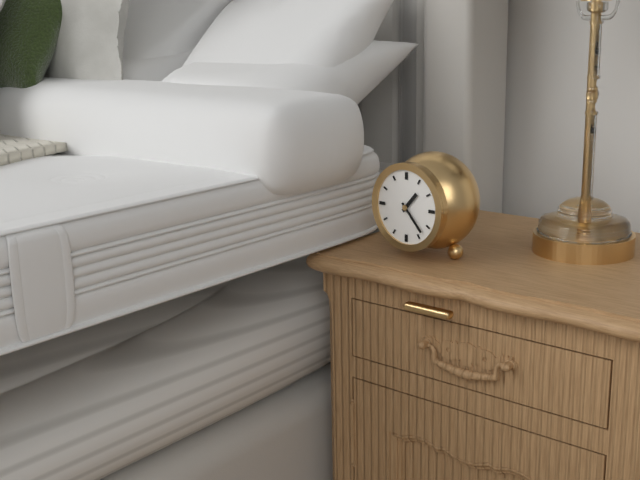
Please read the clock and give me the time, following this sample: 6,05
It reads 1,23
